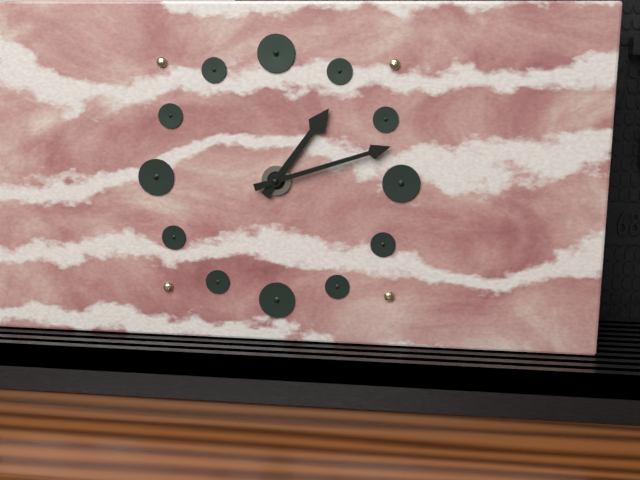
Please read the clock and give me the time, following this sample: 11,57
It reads 1,12
